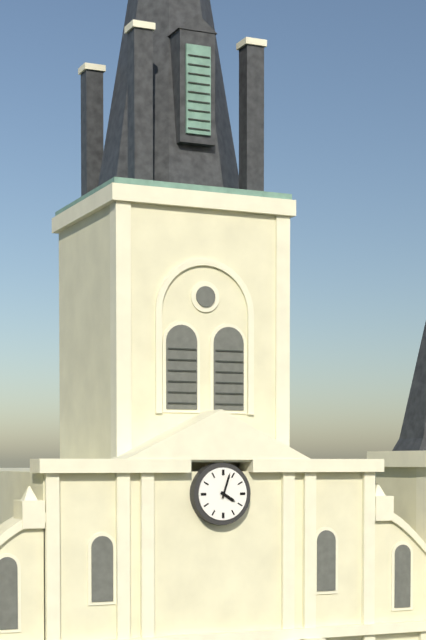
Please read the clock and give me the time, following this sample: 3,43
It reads 4,03
